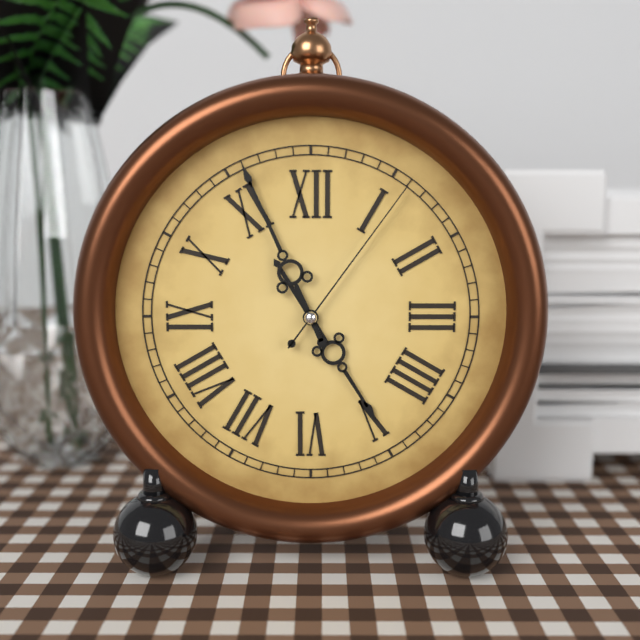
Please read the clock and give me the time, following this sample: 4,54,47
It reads 4,56,06
